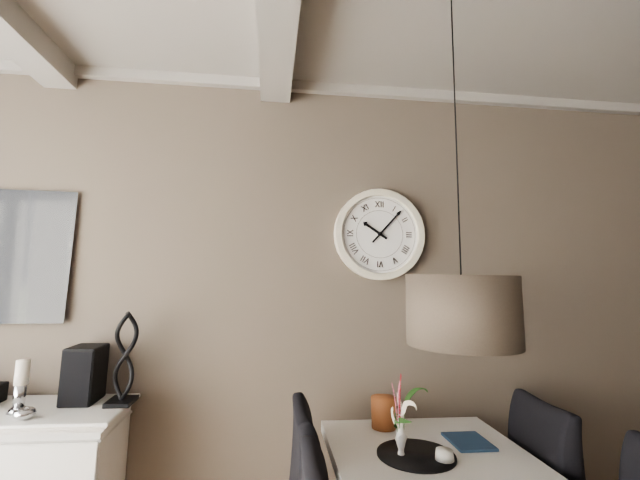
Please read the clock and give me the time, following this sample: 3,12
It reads 10,07
